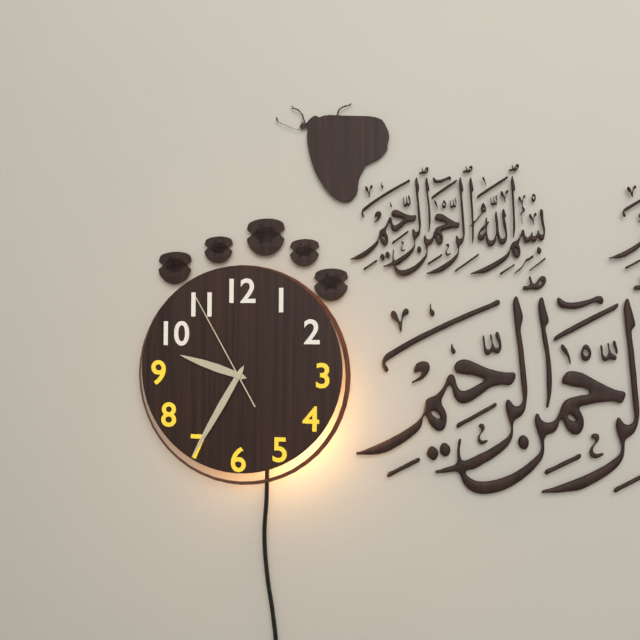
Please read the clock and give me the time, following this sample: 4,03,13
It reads 9,35,55
